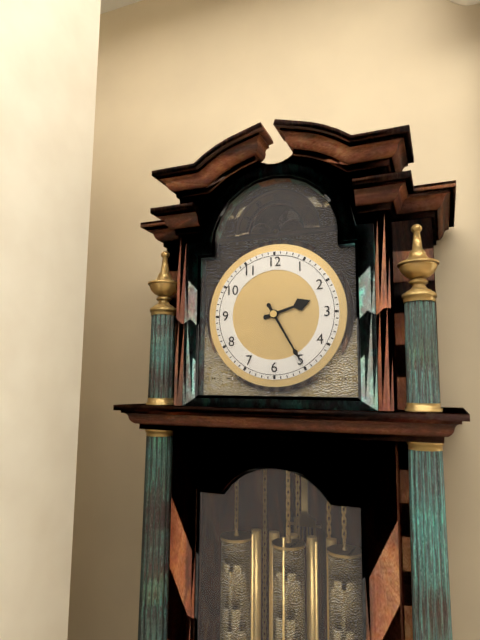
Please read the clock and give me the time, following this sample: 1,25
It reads 2,25
